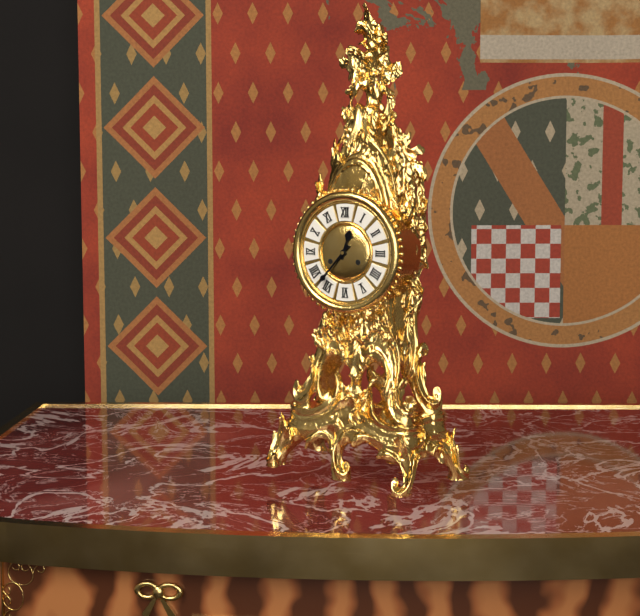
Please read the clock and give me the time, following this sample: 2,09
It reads 12,37
